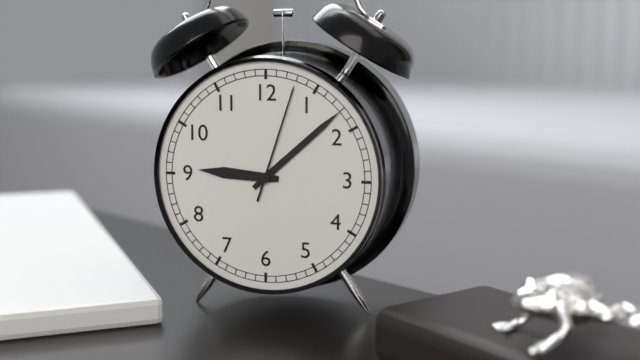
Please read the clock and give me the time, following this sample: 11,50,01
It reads 9,08,03
